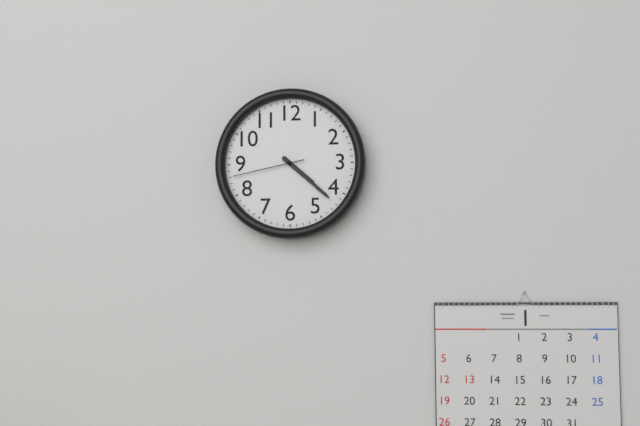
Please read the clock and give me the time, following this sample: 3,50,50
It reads 4,22,43
